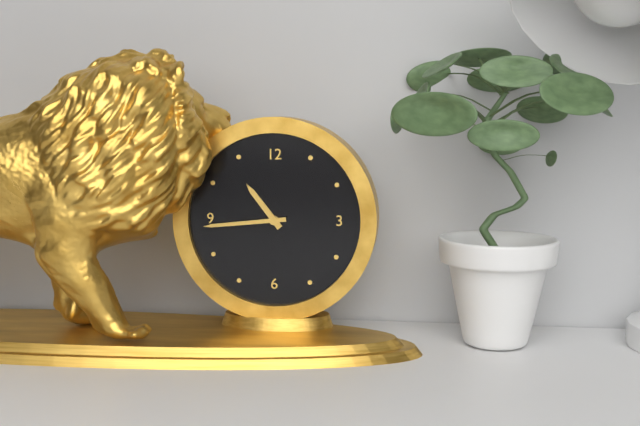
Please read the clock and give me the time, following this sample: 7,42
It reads 10,44
